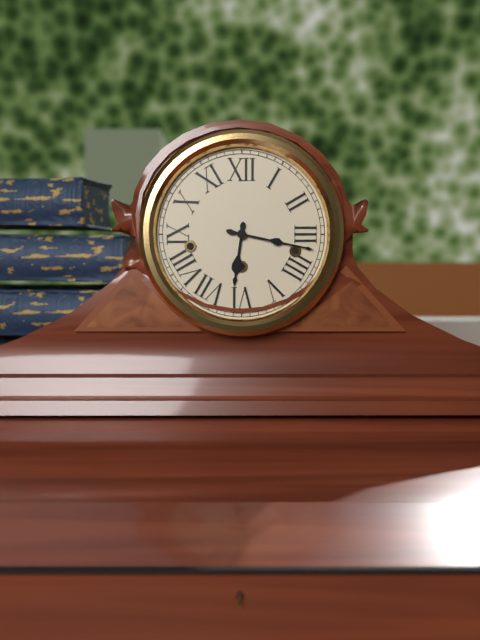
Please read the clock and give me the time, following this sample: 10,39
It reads 6,17
